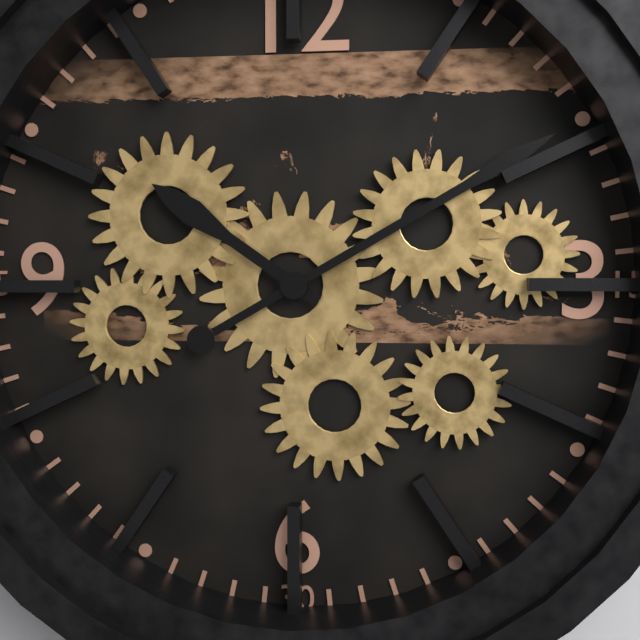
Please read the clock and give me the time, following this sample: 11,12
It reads 10,10
